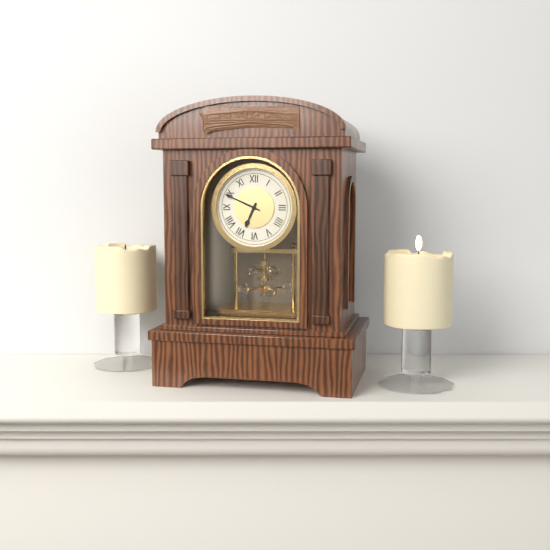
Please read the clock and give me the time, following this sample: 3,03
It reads 6,49
